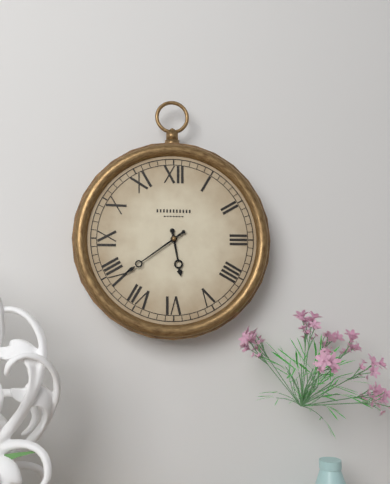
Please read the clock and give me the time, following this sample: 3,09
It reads 5,39
